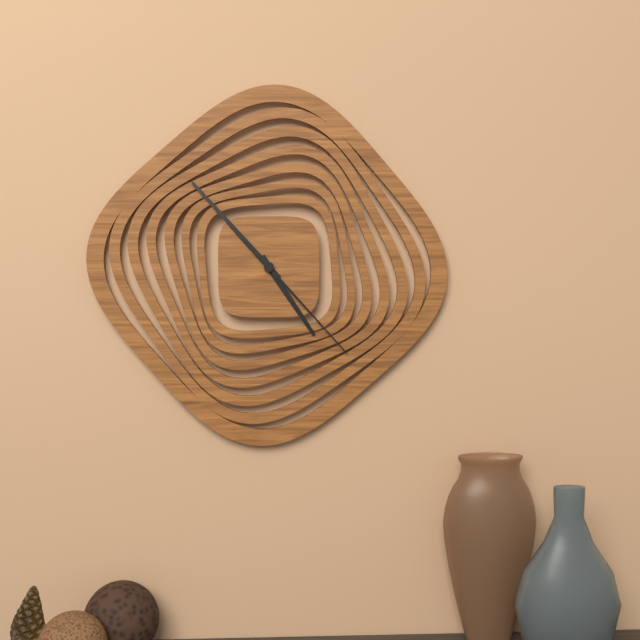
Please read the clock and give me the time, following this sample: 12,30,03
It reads 4,53,23
